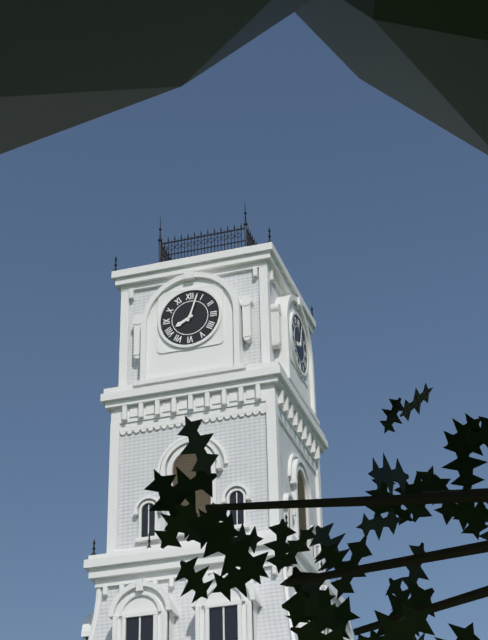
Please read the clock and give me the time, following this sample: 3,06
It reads 8,03
